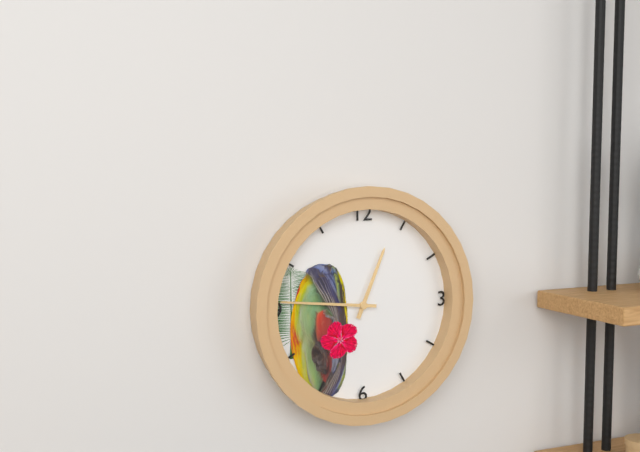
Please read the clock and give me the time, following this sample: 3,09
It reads 12,46
